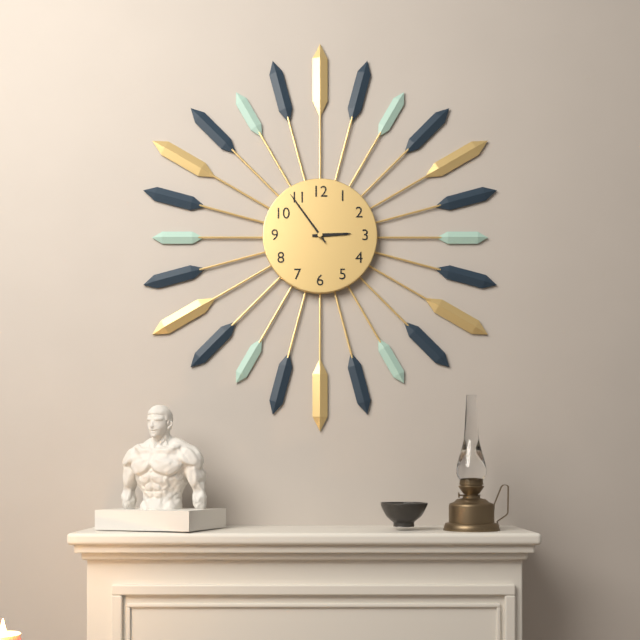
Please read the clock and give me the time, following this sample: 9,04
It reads 2,54
